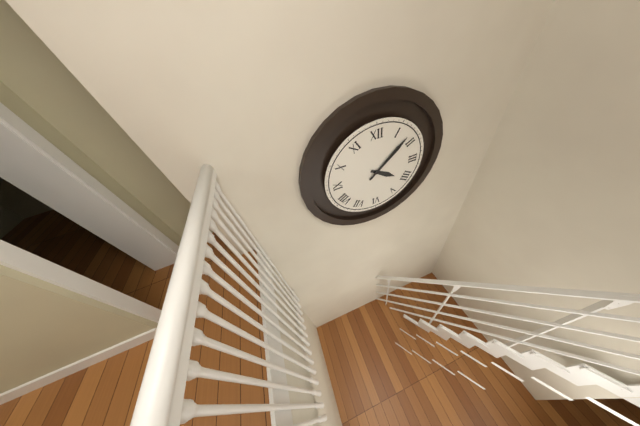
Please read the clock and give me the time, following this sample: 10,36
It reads 4,08
